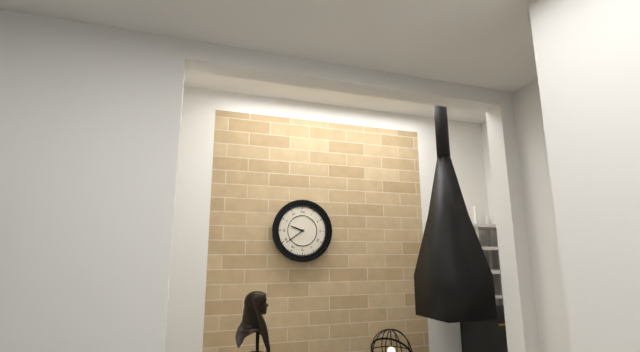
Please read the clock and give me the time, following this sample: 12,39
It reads 9,39
